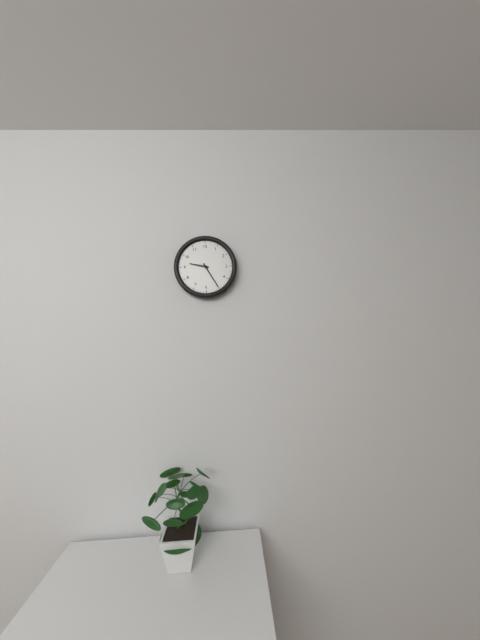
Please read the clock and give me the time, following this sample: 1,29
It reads 9,25
